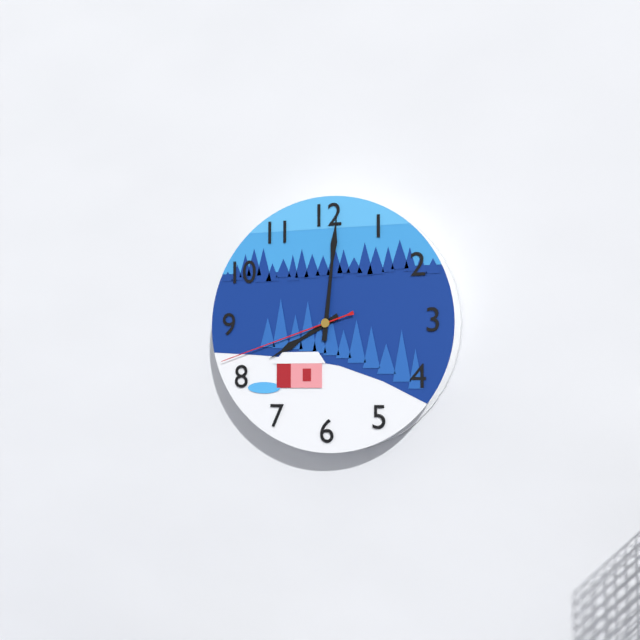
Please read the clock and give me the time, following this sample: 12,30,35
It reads 8,01,42
